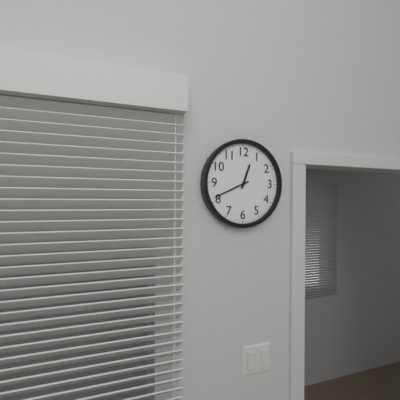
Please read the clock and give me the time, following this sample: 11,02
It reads 12,41
